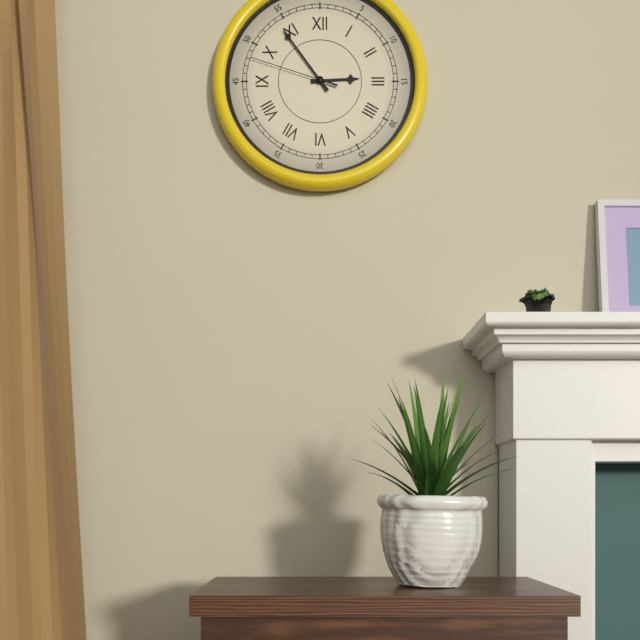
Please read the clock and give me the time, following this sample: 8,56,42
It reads 2,54,48
